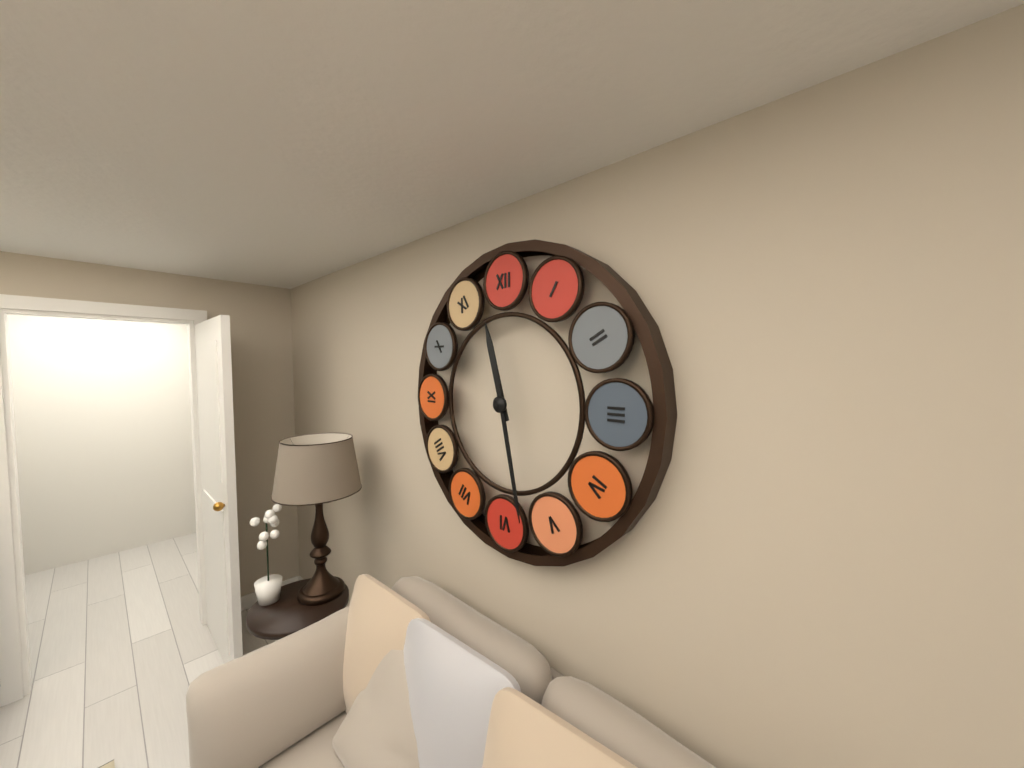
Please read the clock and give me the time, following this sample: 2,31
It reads 11,28
